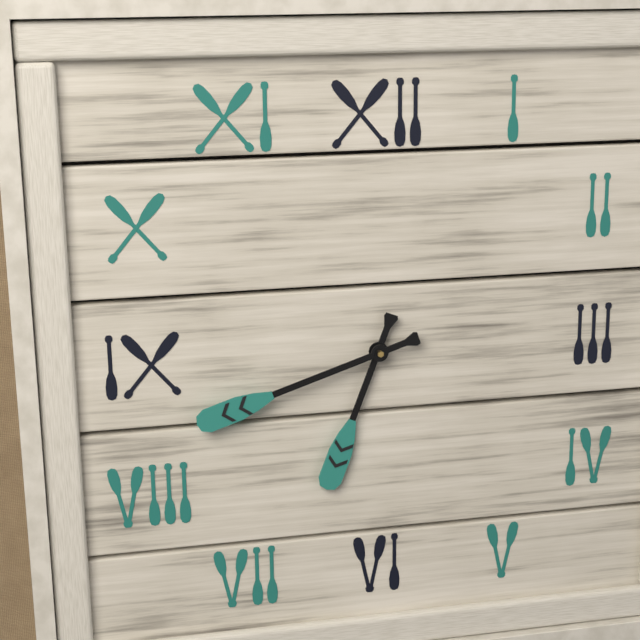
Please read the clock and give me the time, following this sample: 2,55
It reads 6,42
